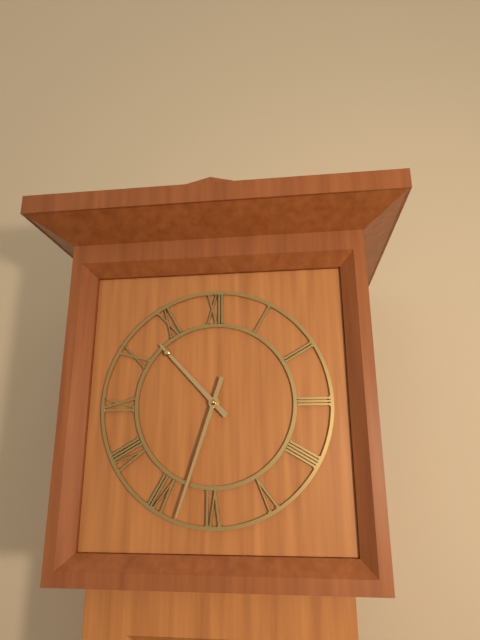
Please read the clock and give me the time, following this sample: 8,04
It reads 10,33
